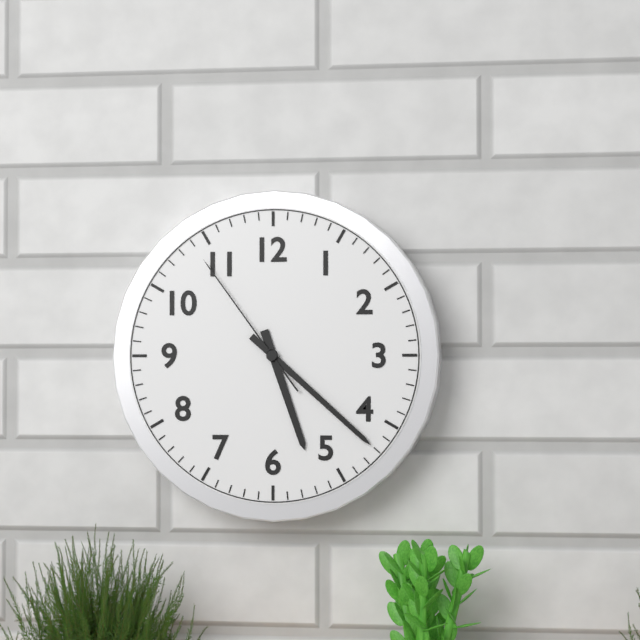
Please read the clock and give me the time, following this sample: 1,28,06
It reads 5,22,54
